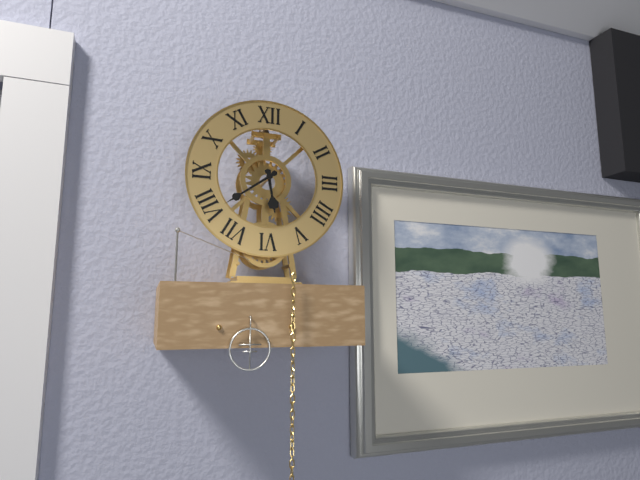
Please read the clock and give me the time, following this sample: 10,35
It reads 5,39
